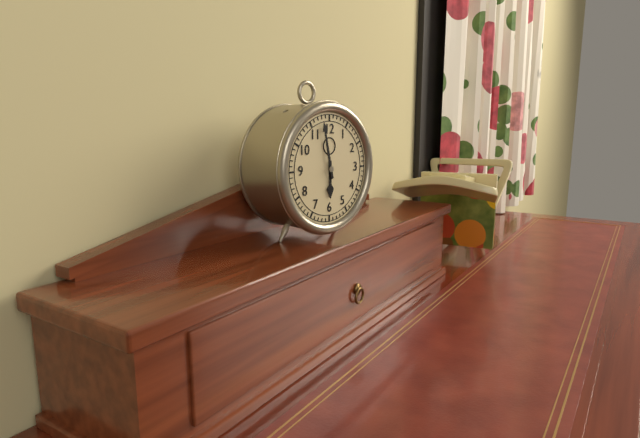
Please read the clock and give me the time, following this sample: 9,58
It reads 5,58
